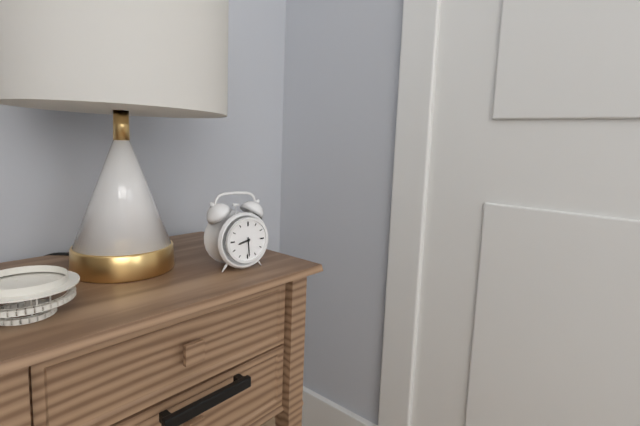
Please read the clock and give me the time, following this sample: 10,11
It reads 8,29
